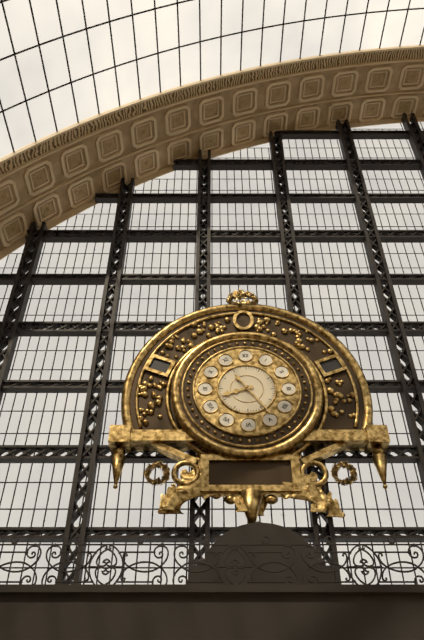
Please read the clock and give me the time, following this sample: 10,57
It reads 8,24
